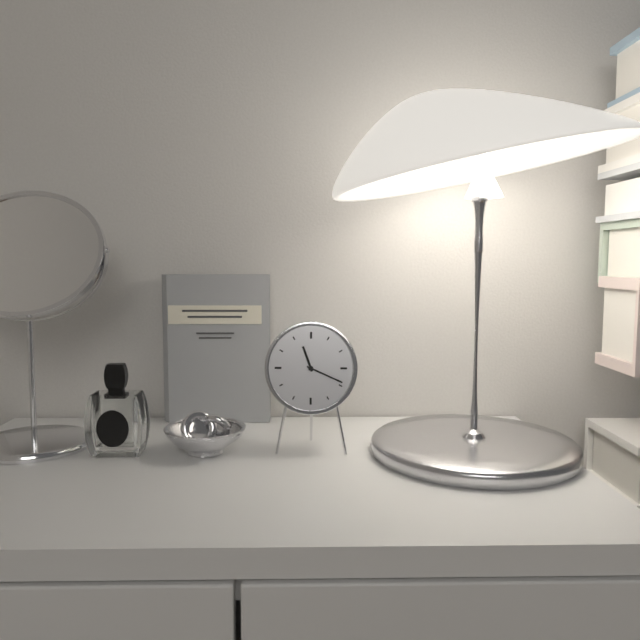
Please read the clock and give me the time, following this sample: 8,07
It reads 11,19
